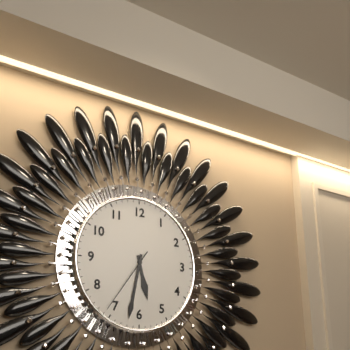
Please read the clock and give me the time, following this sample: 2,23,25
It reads 5,32,36
